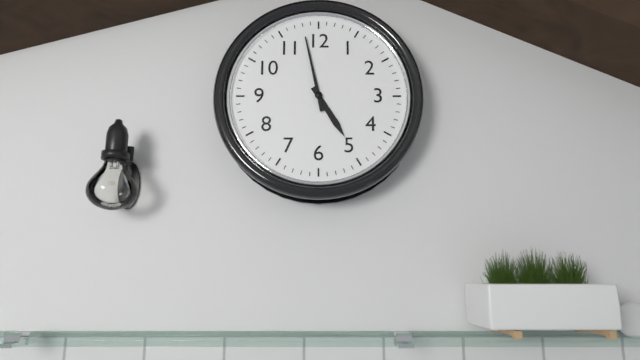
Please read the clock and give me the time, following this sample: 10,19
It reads 4,58
